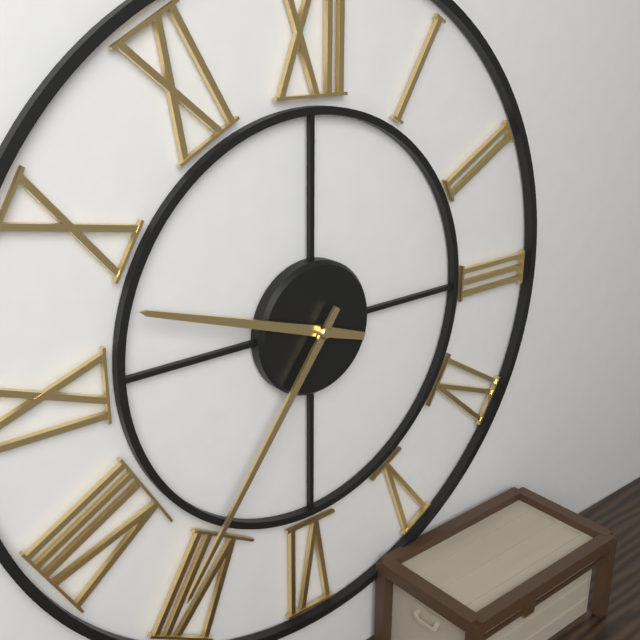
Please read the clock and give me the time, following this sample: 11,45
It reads 9,36
